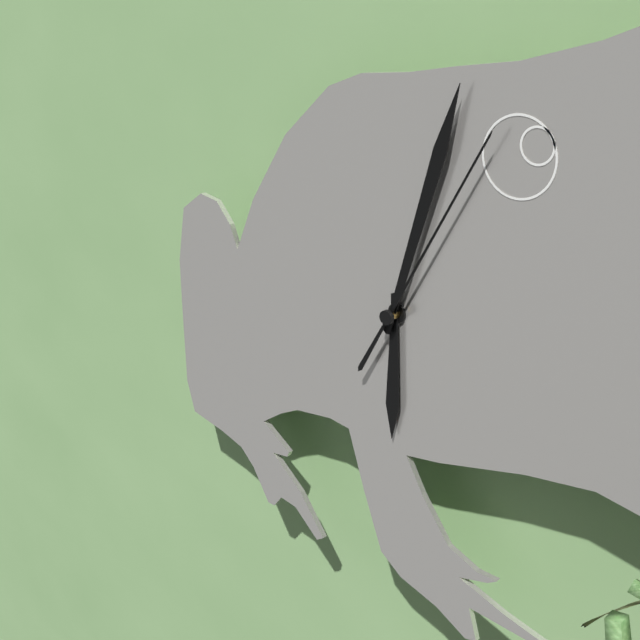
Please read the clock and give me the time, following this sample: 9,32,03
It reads 6,03,05
